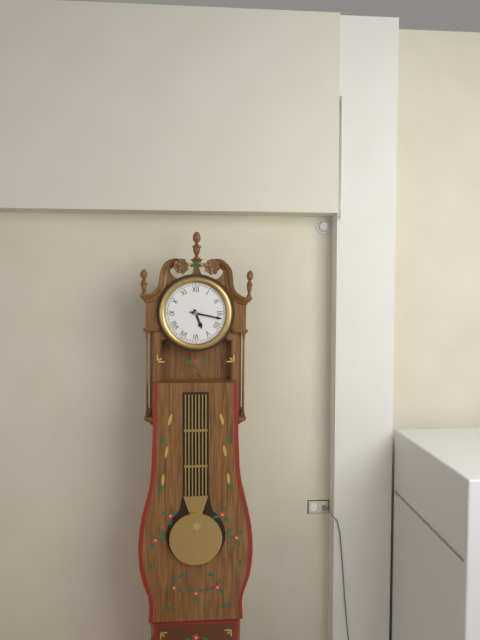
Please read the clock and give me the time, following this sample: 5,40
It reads 5,17
